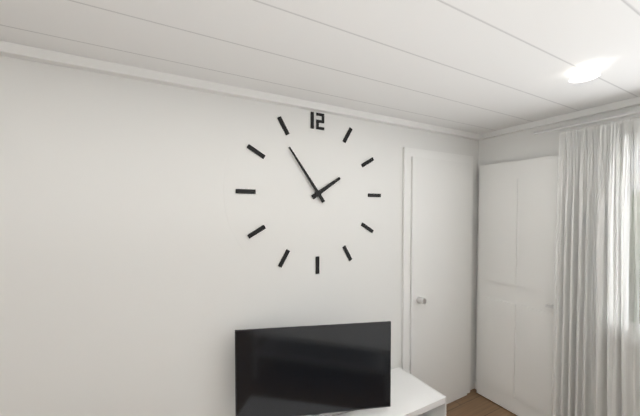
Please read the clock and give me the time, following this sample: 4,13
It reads 1,54
